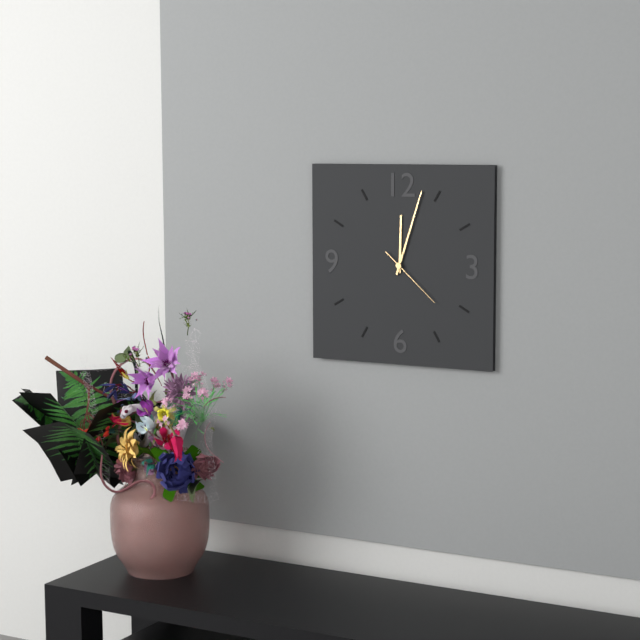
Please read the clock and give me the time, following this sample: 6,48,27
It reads 12,03,22
